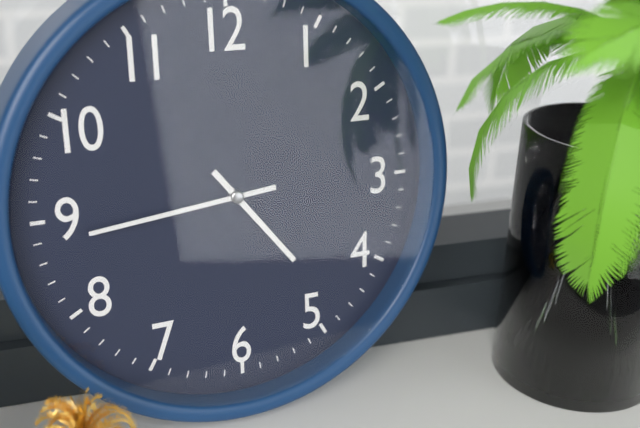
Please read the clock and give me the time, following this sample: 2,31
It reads 4,44
